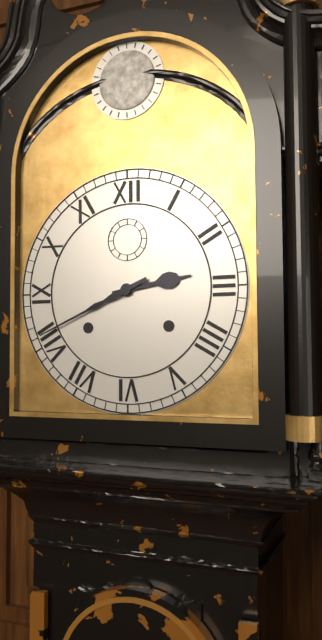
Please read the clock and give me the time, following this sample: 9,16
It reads 2,41
